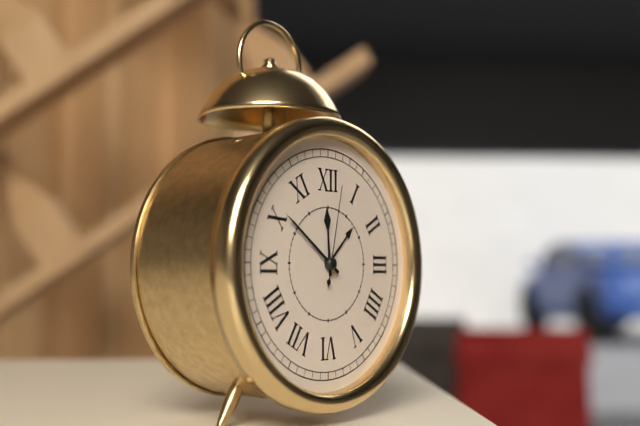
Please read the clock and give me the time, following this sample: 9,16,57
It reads 11,51,02
